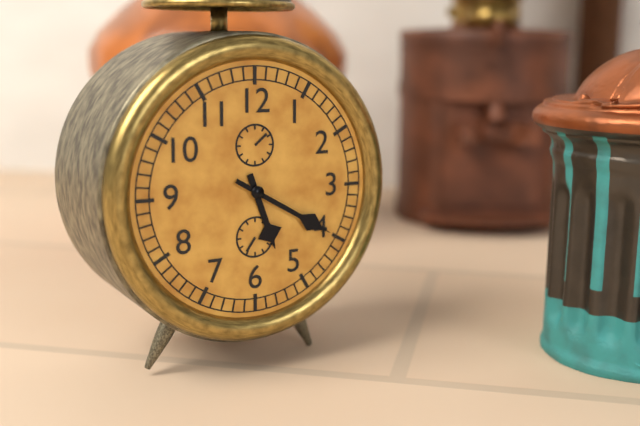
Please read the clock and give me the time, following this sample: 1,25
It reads 5,20
